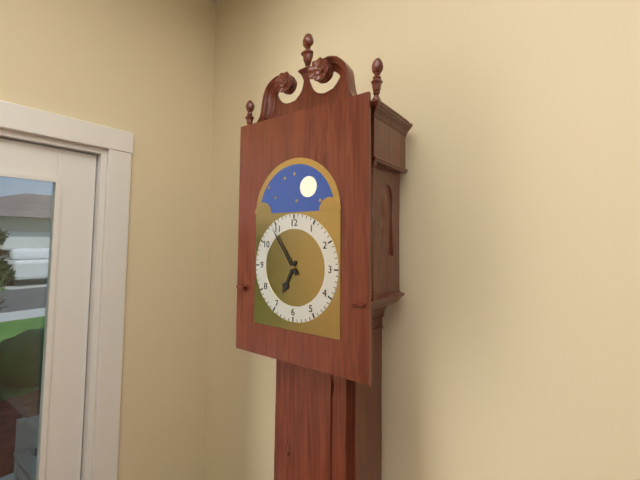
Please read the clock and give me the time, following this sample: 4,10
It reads 6,54
